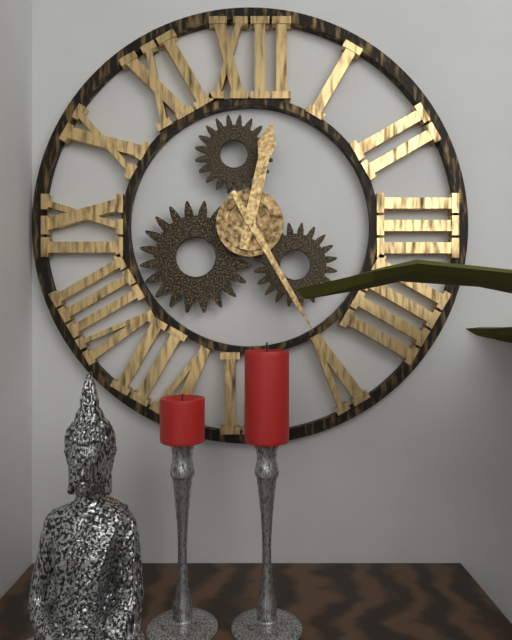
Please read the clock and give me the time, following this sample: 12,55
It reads 12,25
